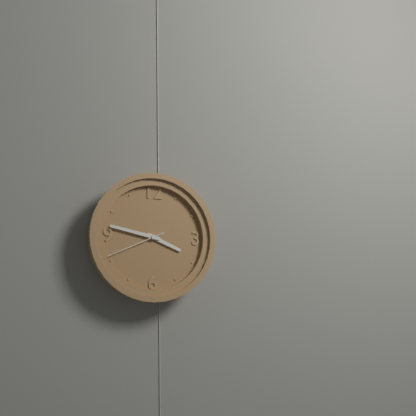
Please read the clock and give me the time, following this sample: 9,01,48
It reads 3,47,41
